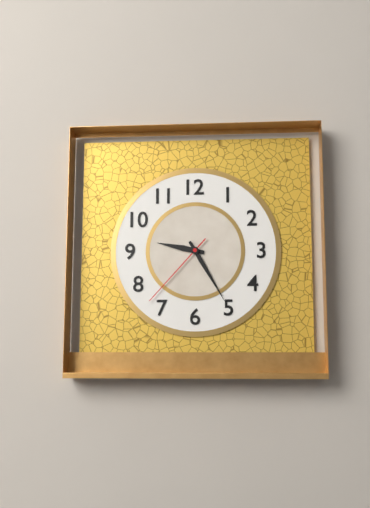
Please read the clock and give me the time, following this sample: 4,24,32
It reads 9,25,37
